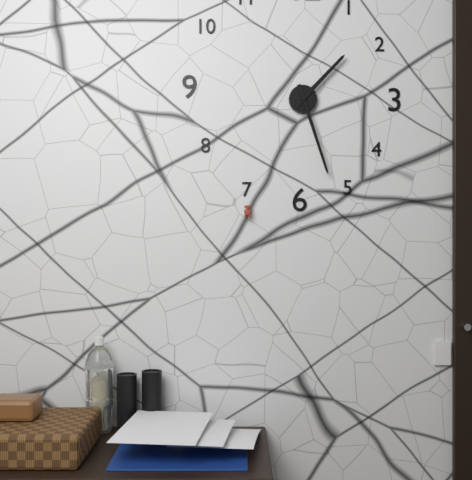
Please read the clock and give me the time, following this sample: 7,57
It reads 1,27
